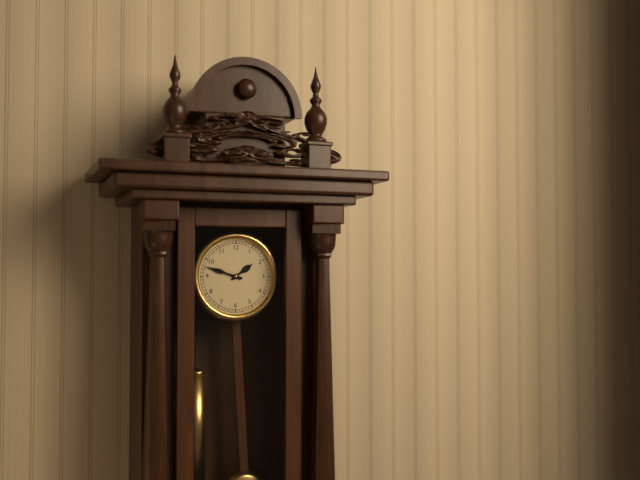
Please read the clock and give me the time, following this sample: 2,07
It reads 1,48
